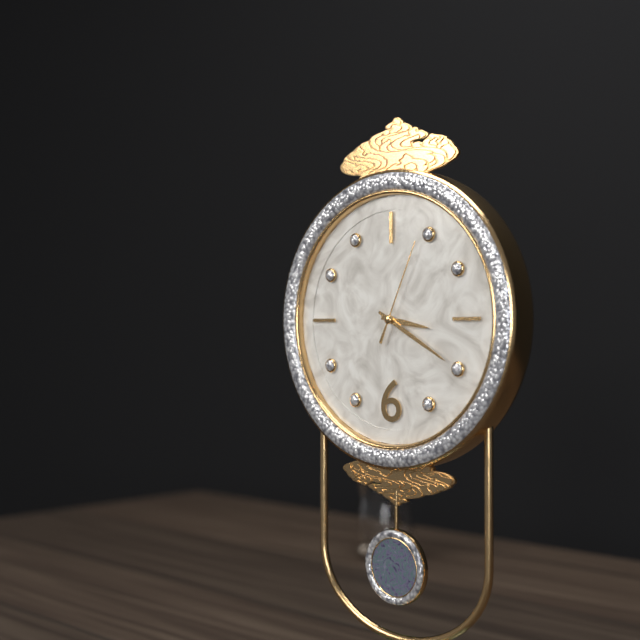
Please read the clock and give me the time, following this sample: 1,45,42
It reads 3,20,04
